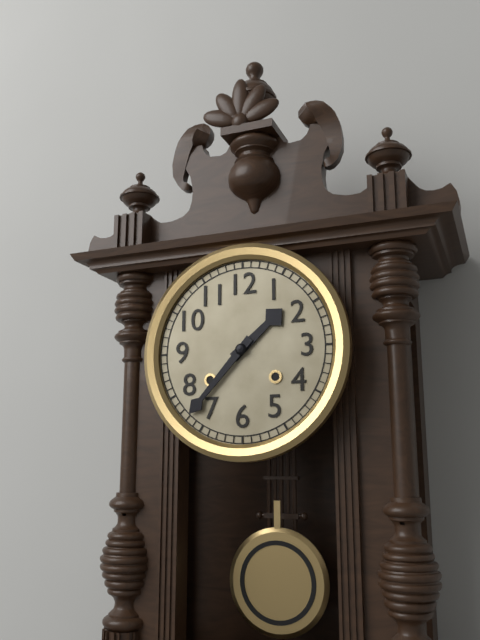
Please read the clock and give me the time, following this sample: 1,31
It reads 1,37
